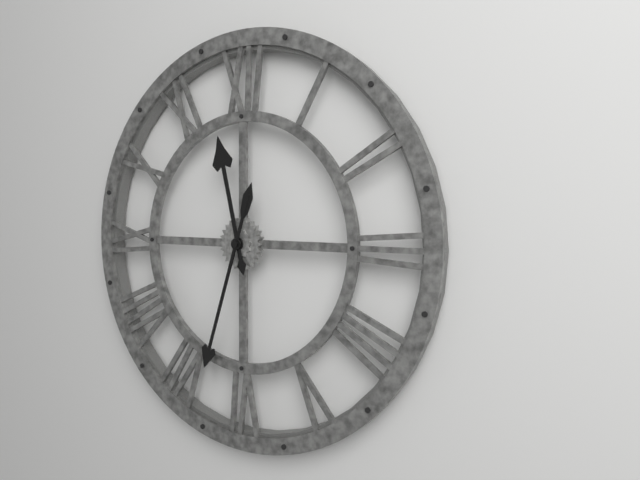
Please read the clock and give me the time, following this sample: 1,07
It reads 11,33
